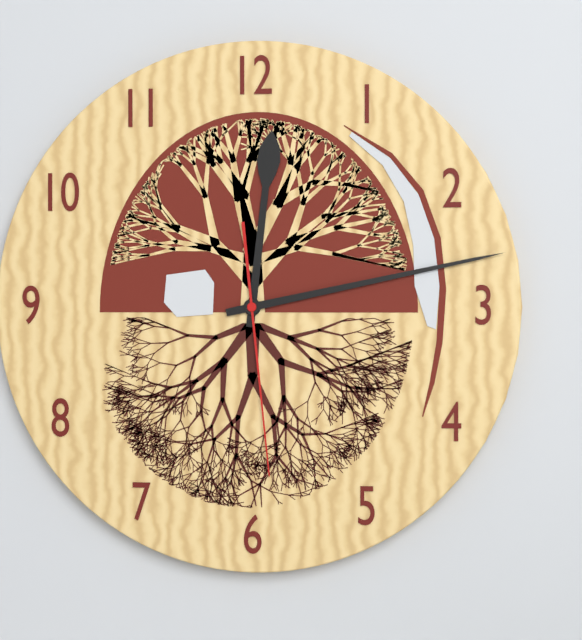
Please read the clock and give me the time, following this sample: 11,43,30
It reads 12,13,29
